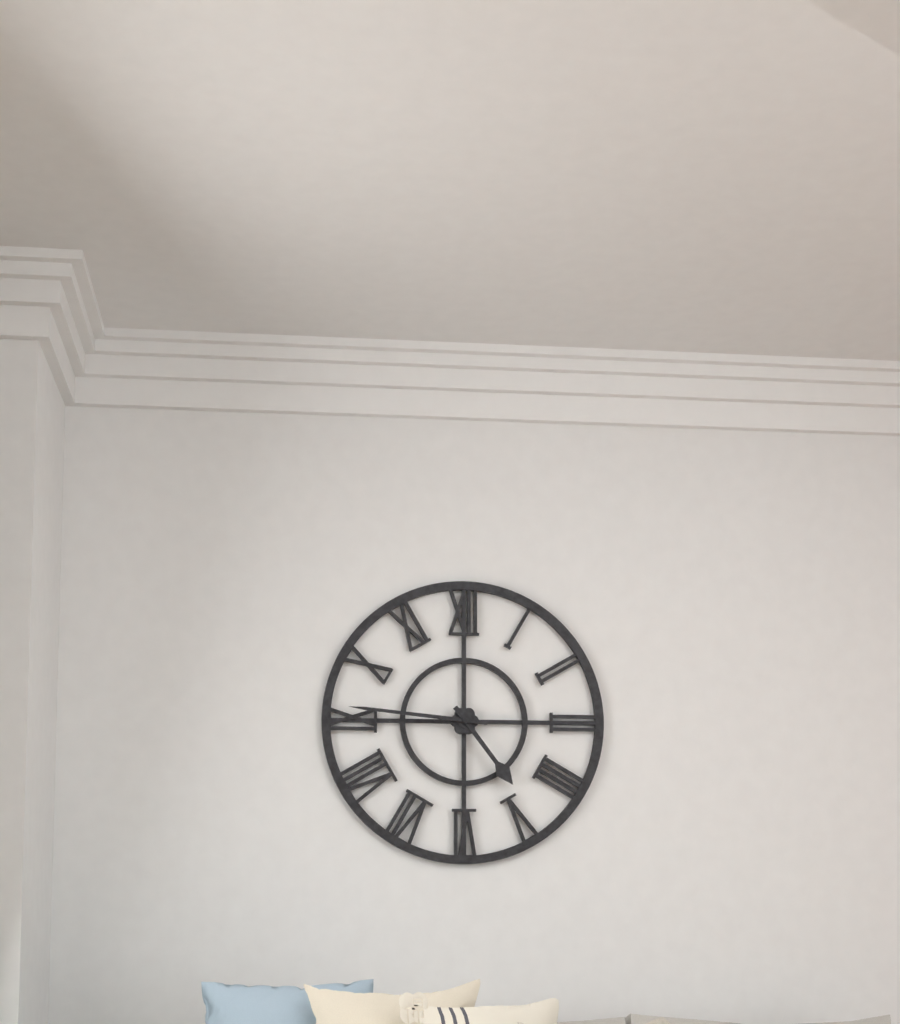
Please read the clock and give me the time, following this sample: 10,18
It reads 4,46
